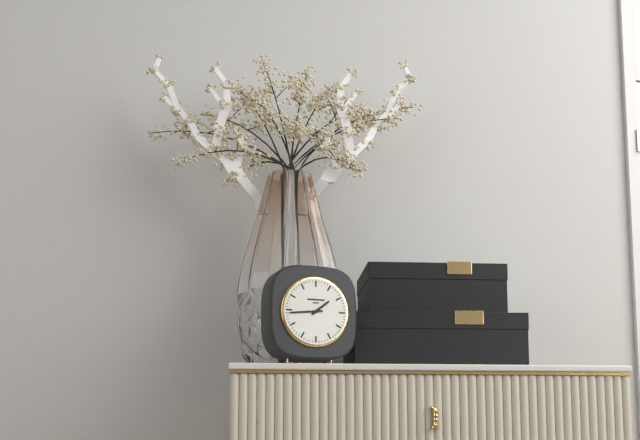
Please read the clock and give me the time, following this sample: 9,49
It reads 1,44
